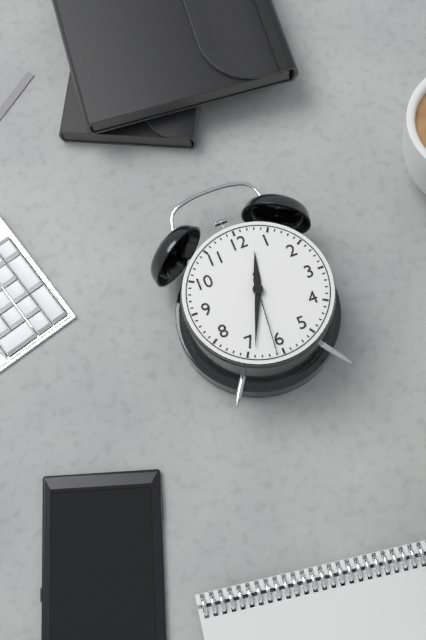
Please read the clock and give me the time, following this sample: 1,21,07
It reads 12,34,31
